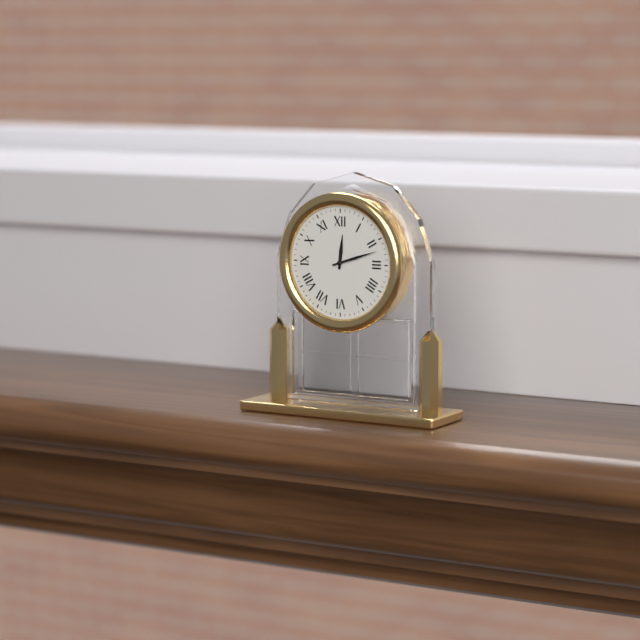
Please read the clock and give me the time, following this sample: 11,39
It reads 12,12
